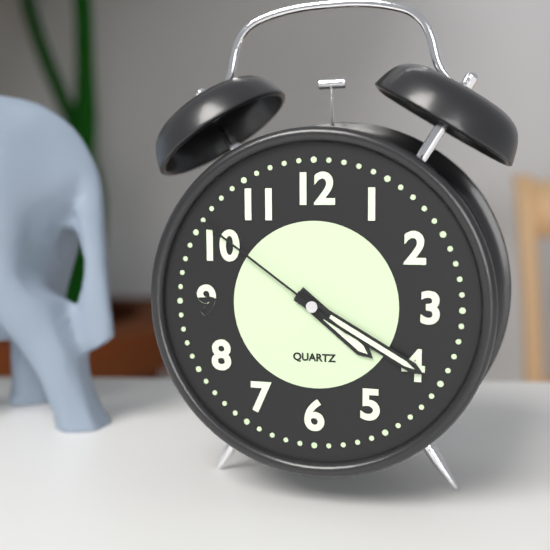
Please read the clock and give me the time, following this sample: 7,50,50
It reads 4,20,51
